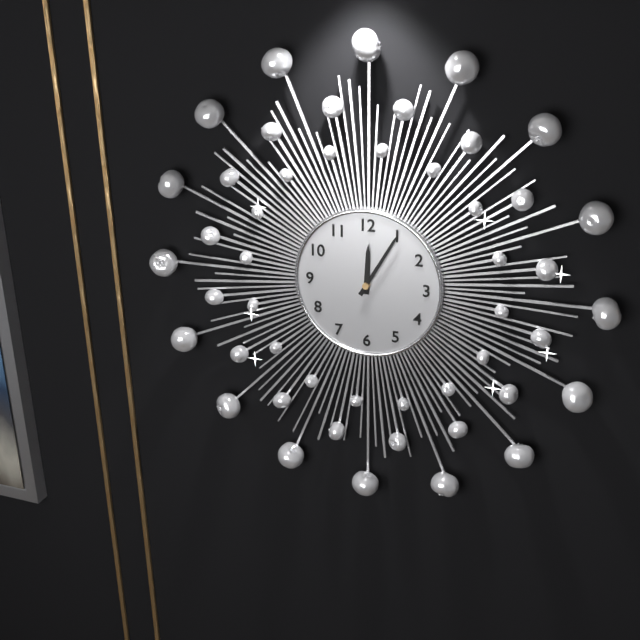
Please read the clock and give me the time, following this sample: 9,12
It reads 12,05
